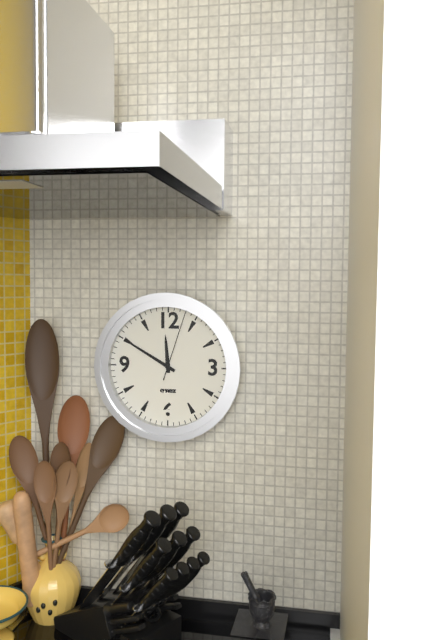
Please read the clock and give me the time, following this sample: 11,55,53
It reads 11,50,03
